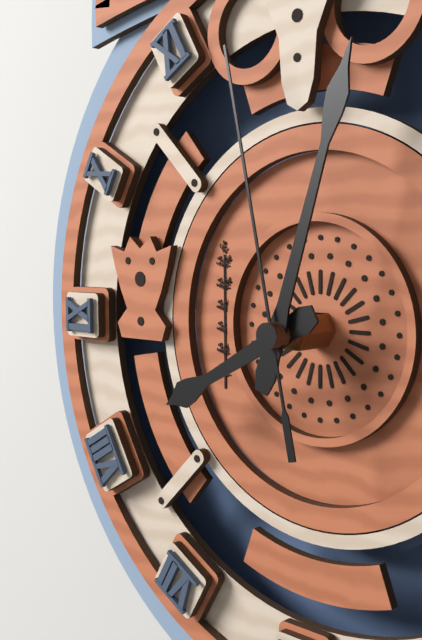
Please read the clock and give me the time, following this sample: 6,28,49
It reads 8,03,58
